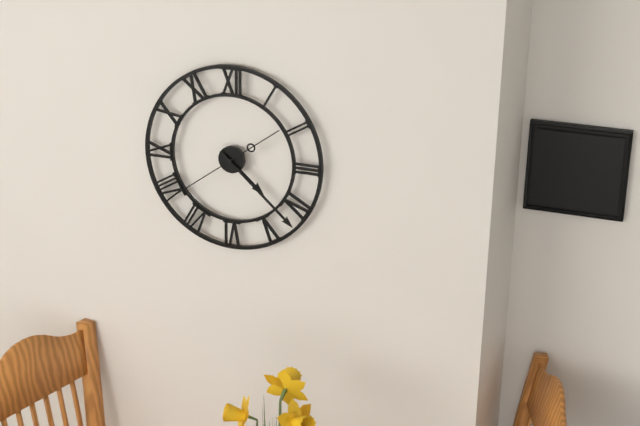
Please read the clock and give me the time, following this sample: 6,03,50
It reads 4,22,39
